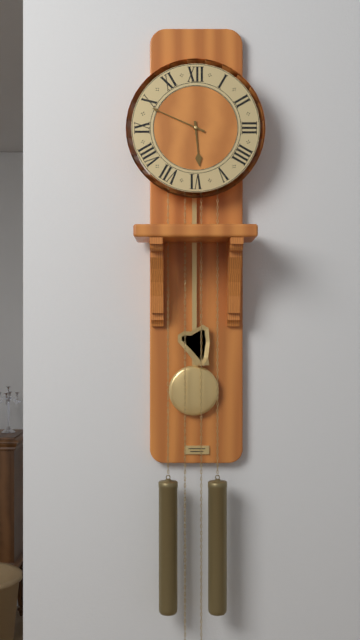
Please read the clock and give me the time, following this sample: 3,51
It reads 5,49
